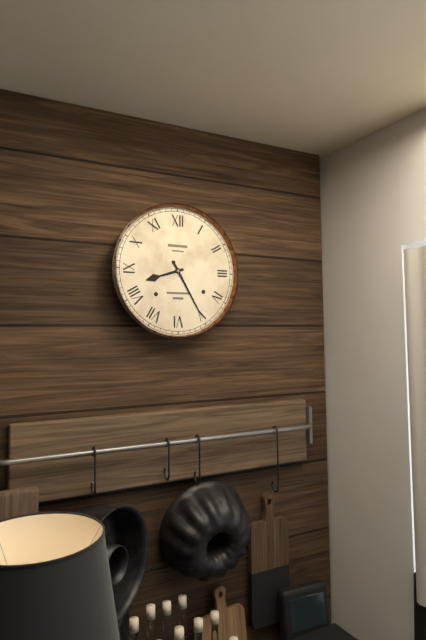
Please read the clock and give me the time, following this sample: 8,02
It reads 8,25
